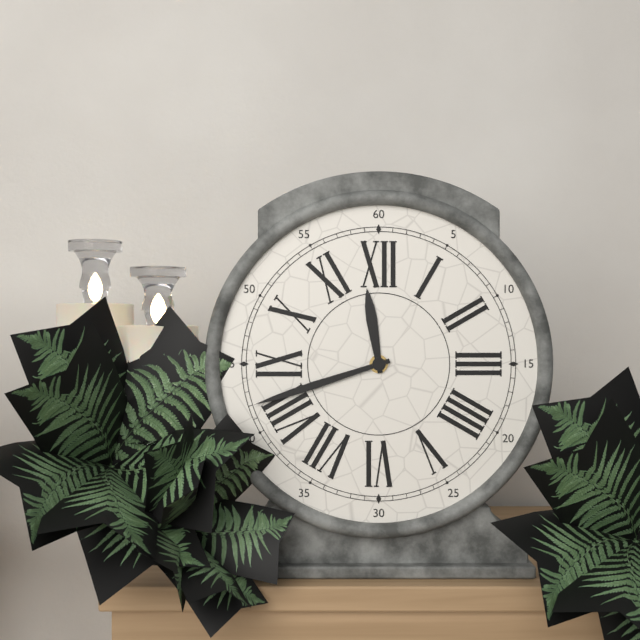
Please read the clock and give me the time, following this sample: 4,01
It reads 11,42
